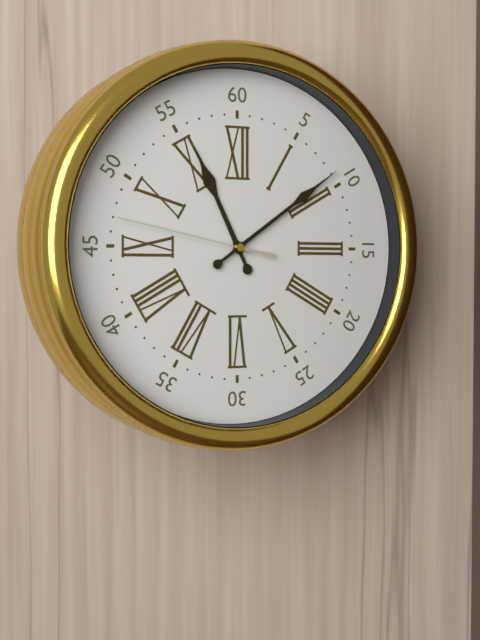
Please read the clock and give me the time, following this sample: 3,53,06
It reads 11,09,47
